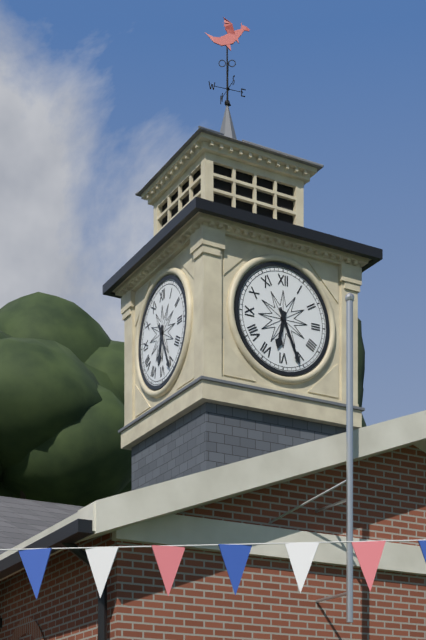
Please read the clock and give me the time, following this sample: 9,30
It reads 6,26
